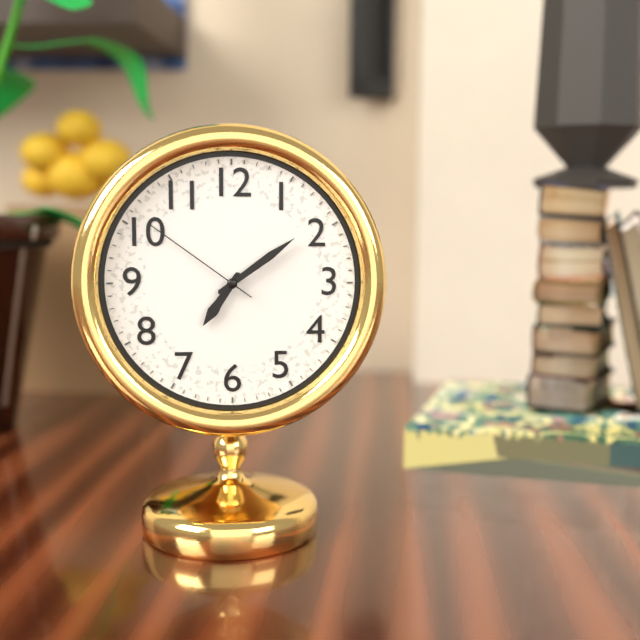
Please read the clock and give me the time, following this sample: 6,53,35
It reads 7,09,51
